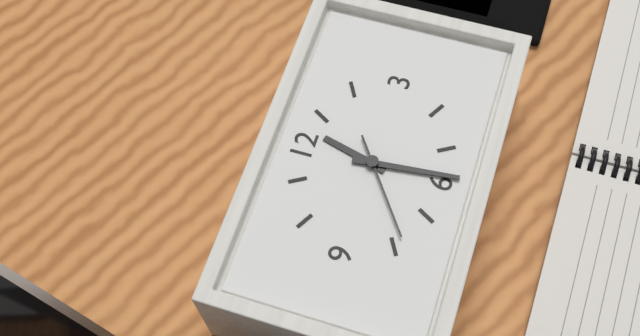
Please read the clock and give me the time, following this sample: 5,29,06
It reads 12,29,39
